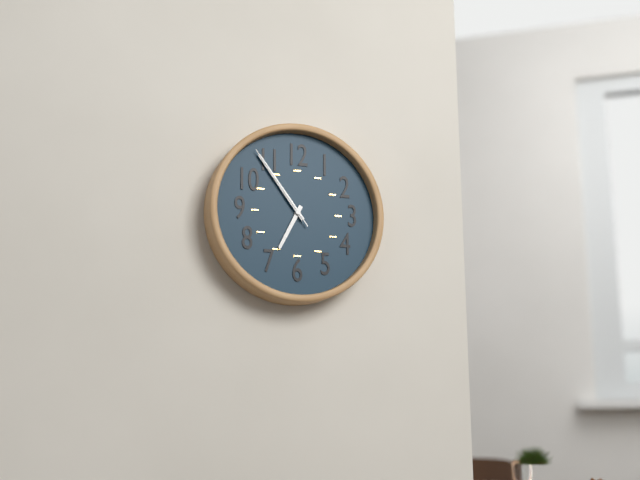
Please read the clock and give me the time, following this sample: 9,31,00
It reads 6,54,54
